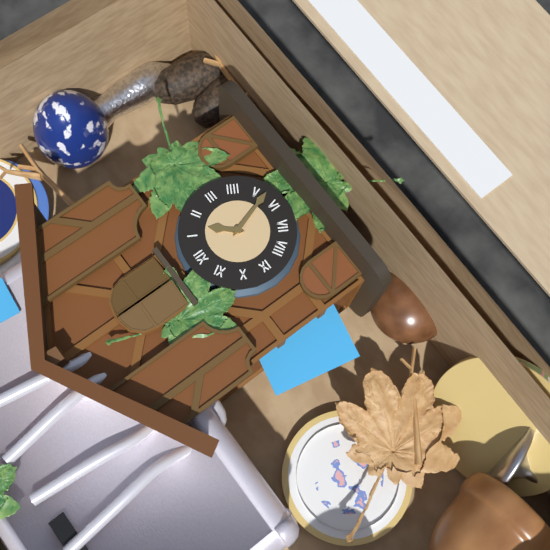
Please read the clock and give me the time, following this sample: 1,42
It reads 1,27
